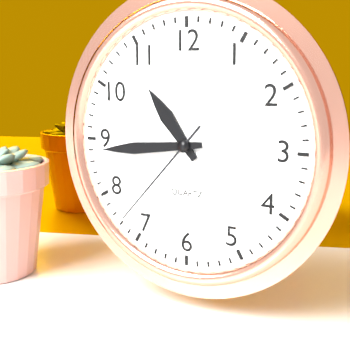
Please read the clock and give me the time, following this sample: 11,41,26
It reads 10,44,37
